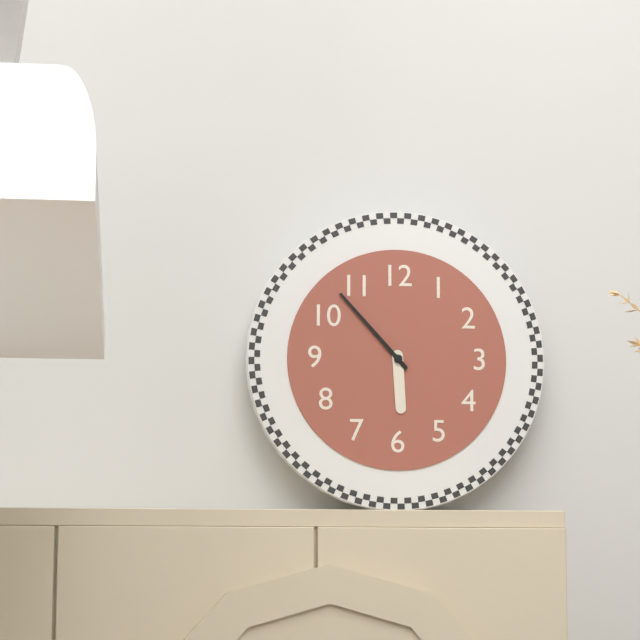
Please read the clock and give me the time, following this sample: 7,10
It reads 5,53
